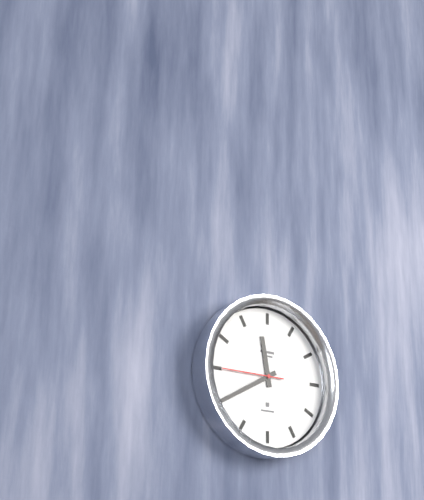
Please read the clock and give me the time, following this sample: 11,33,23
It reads 11,40,45
